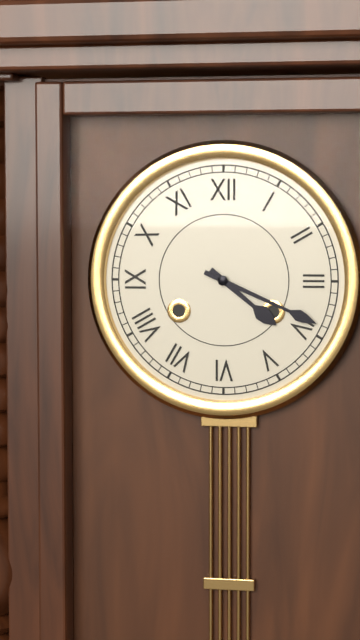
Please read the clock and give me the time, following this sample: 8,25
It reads 4,19
